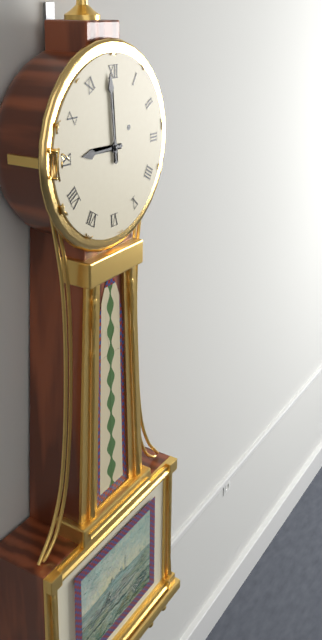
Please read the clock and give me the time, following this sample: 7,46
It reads 8,59
